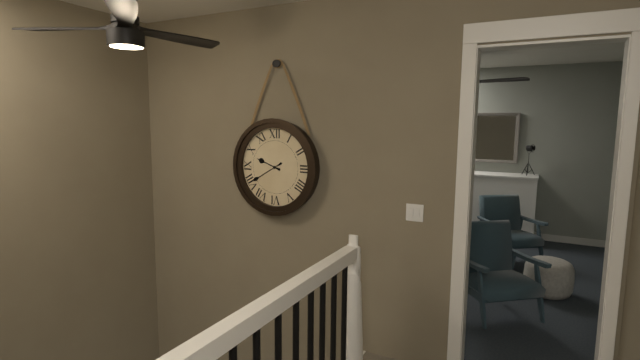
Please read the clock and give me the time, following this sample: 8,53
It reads 9,40
